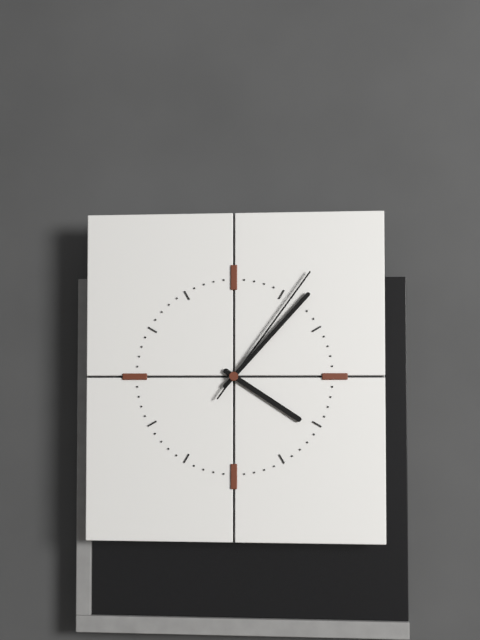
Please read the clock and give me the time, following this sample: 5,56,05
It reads 4,07,06
